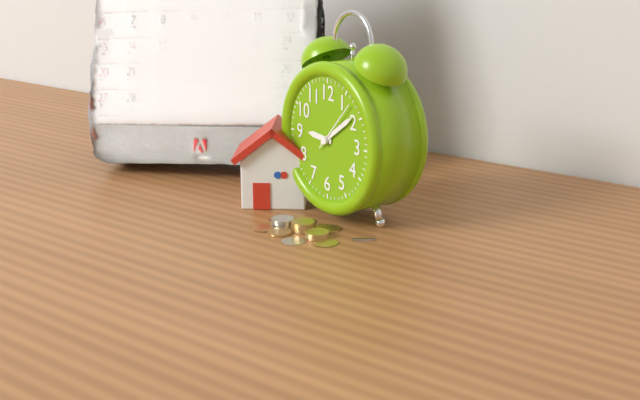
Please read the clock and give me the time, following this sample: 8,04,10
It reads 9,09,07
